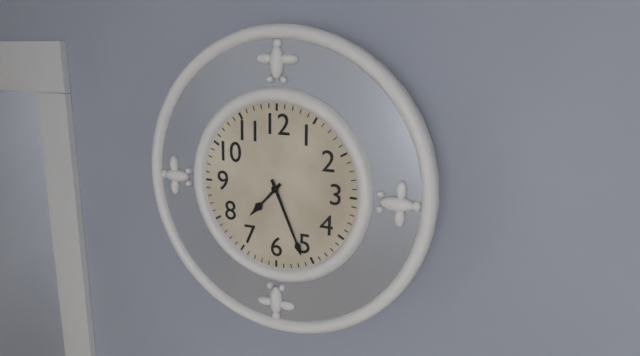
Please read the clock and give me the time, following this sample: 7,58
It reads 7,26
